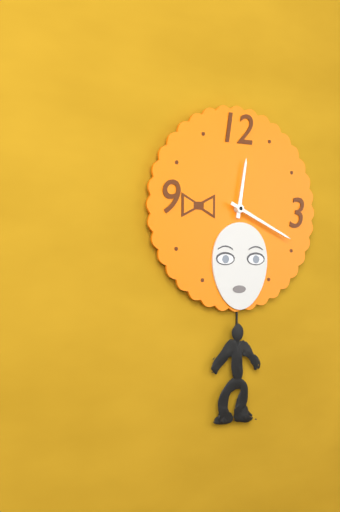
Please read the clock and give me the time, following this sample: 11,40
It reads 12,19
